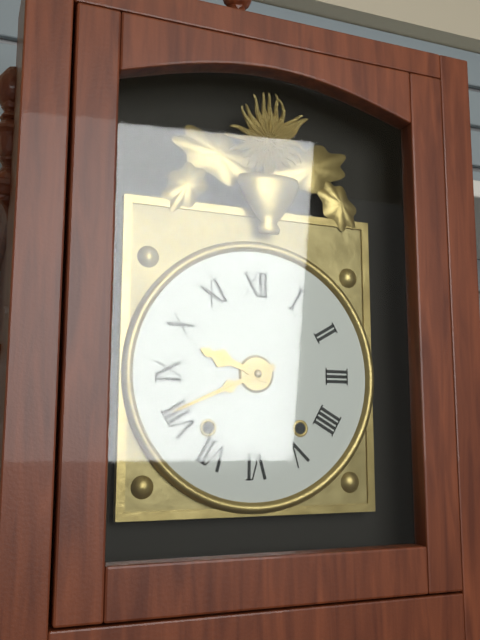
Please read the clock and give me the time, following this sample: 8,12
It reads 9,41
